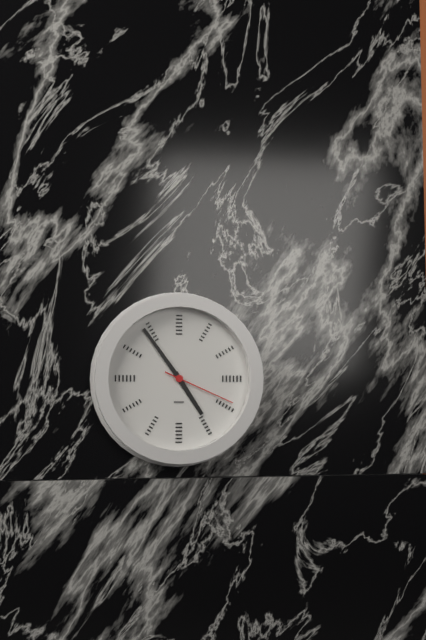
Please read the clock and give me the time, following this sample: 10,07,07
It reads 4,54,19
